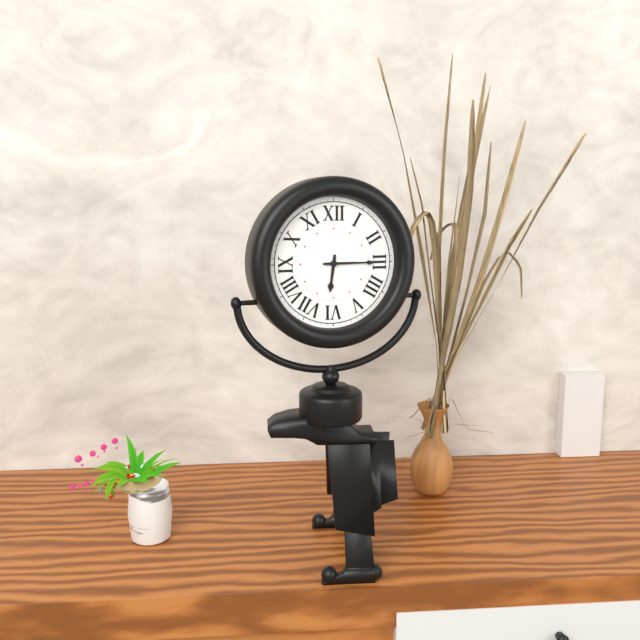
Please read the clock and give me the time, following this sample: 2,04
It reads 6,15
